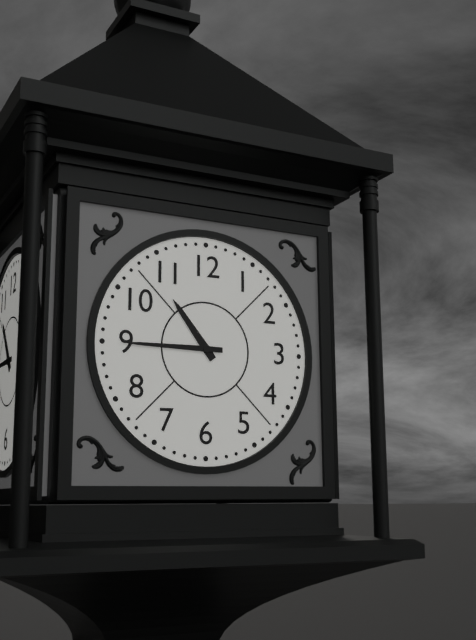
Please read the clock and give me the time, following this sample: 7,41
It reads 10,45
